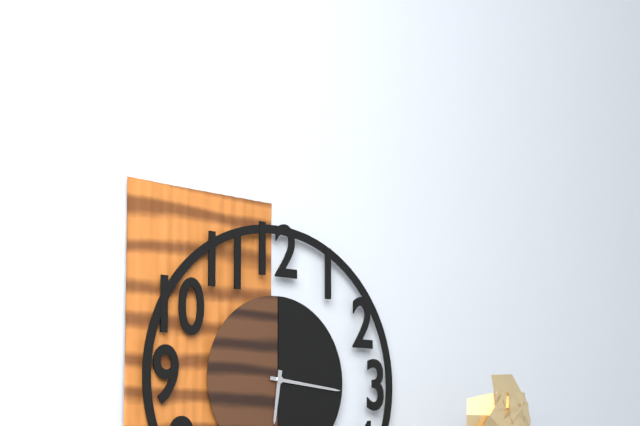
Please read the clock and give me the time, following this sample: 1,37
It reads 6,16
